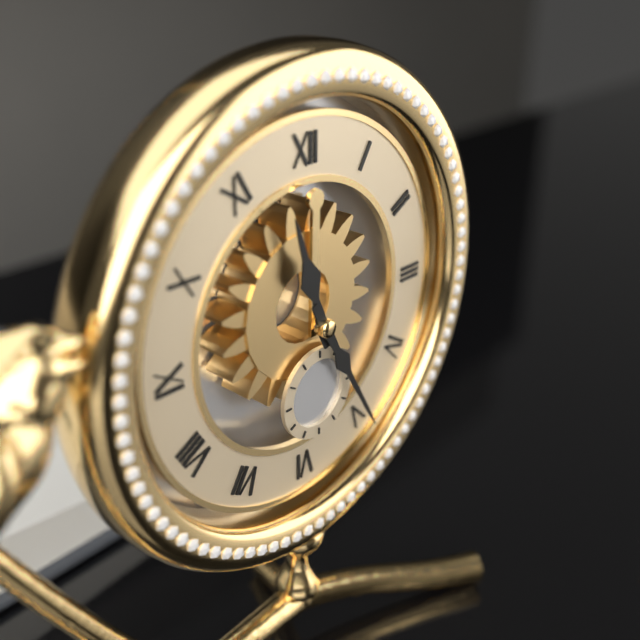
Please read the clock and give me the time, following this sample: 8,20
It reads 11,25
